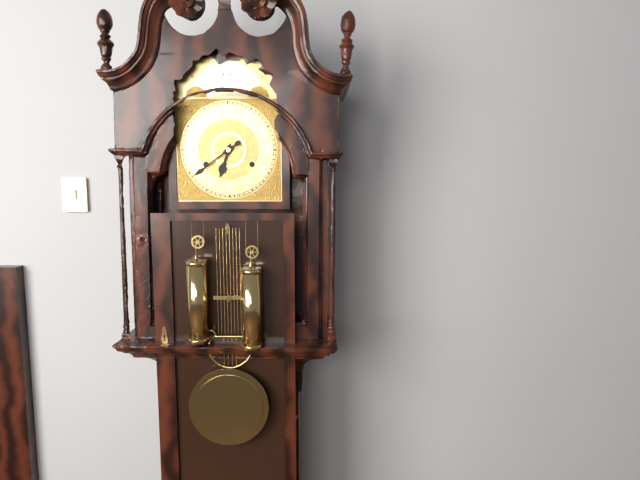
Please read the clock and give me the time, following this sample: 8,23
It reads 6,39
